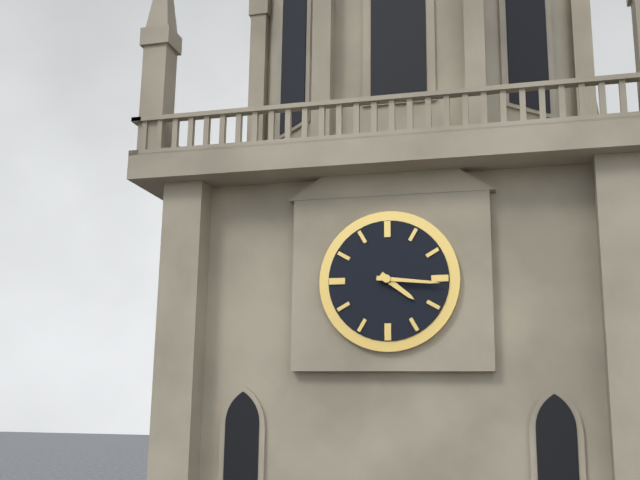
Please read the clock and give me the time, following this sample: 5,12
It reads 4,16
